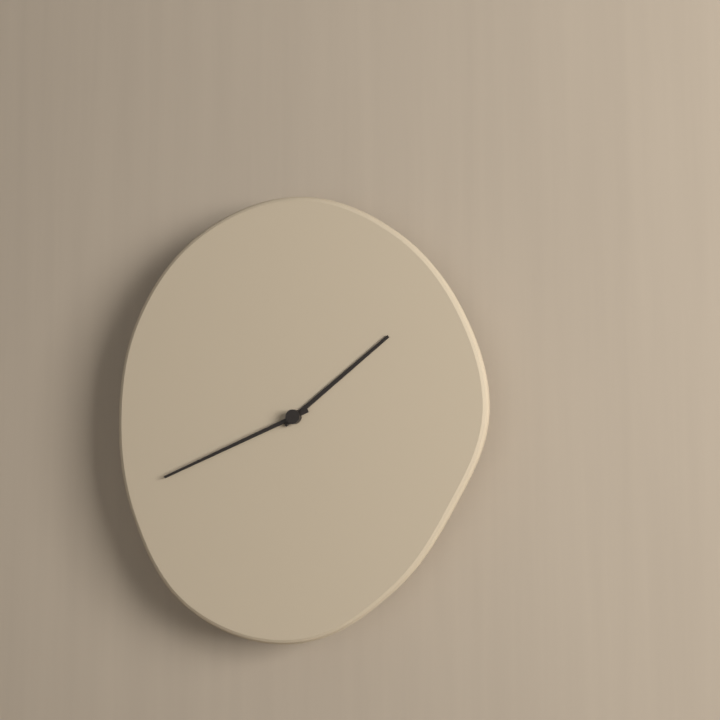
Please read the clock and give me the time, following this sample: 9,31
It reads 1,41
